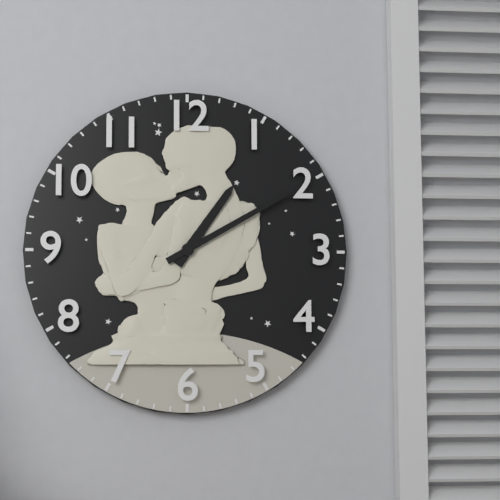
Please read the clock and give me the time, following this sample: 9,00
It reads 1,10
